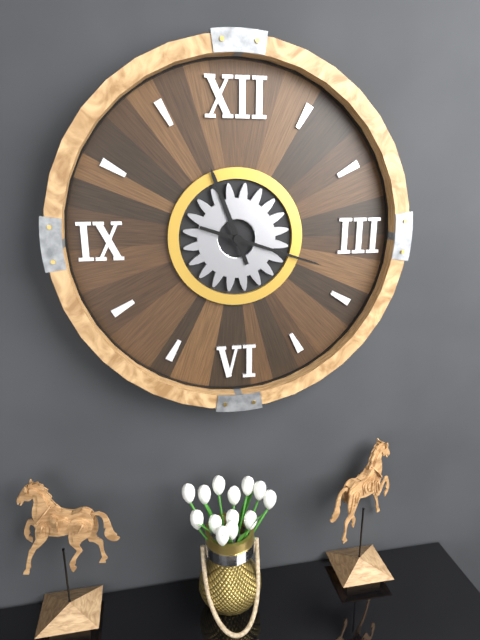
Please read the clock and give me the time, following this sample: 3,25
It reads 11,18
